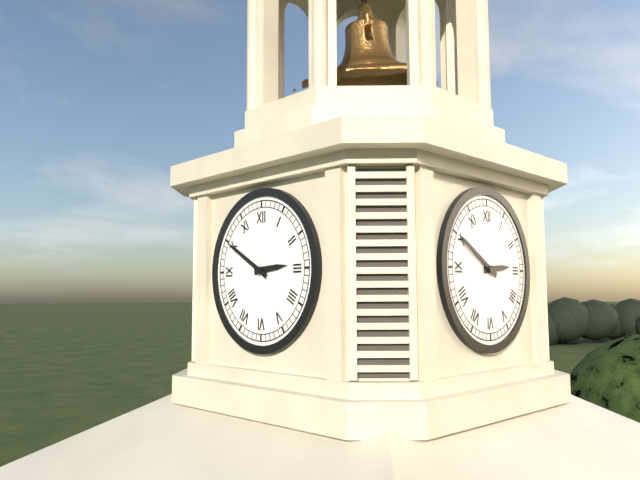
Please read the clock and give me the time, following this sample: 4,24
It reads 2,50
